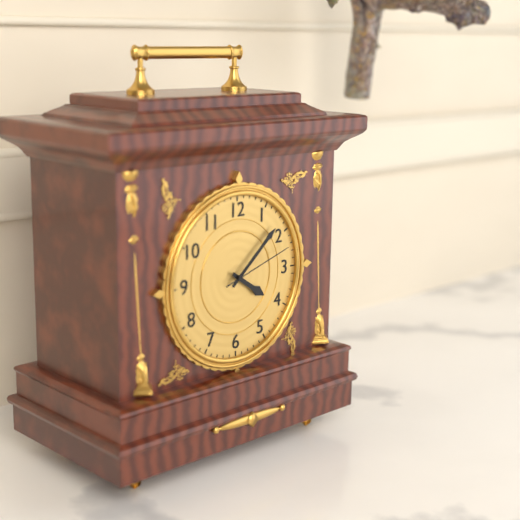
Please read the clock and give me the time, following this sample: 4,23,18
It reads 4,08,12
